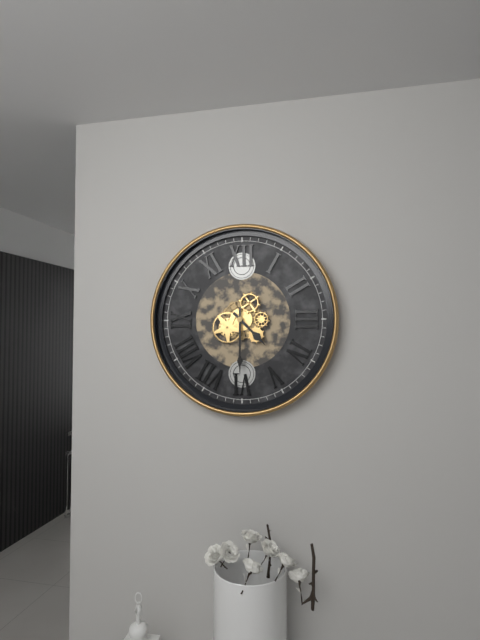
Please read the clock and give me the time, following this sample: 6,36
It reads 4,30
